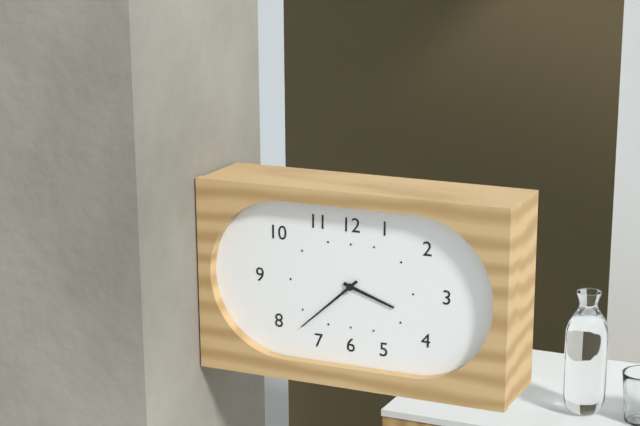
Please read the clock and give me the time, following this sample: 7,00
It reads 3,38
